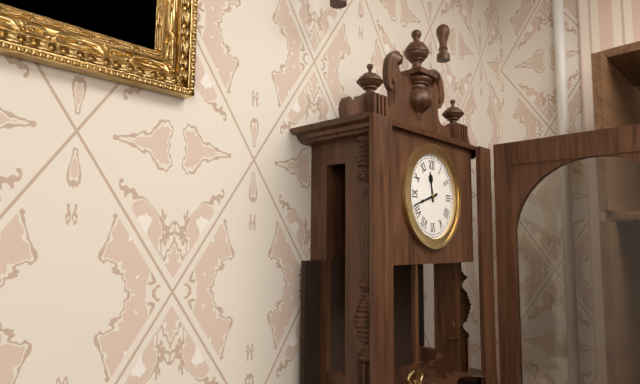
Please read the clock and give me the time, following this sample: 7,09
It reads 11,42
